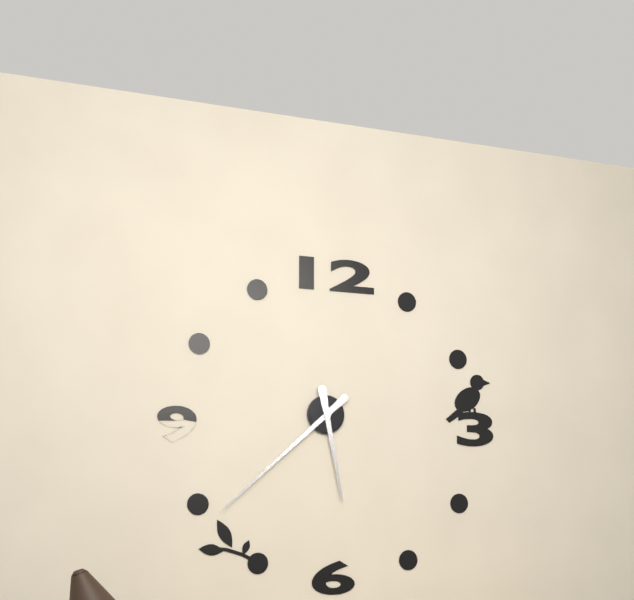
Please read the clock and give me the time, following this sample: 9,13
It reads 5,38
